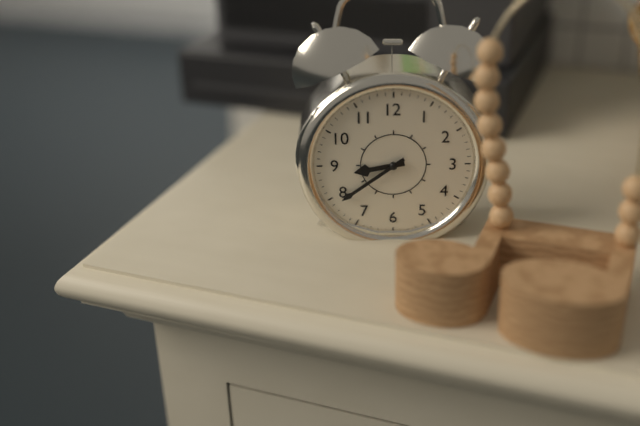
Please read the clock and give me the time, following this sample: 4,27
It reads 8,39
